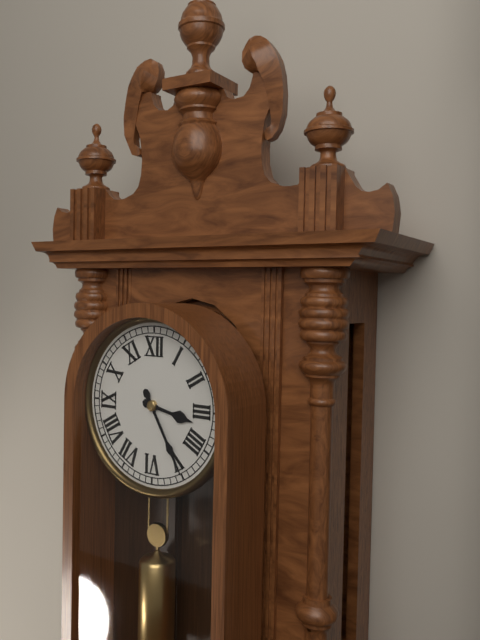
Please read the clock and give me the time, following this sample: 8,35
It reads 3,25
